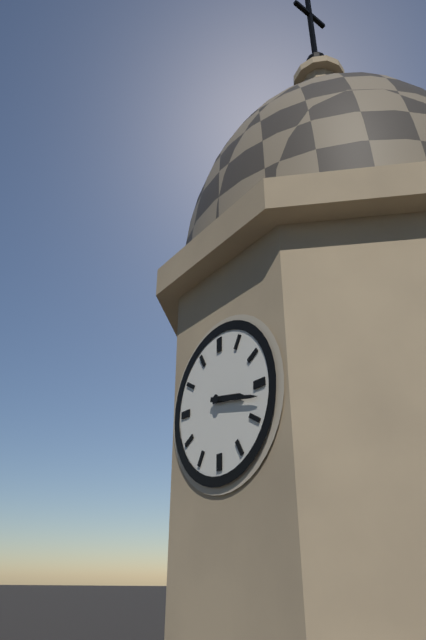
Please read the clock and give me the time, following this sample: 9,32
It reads 3,17
